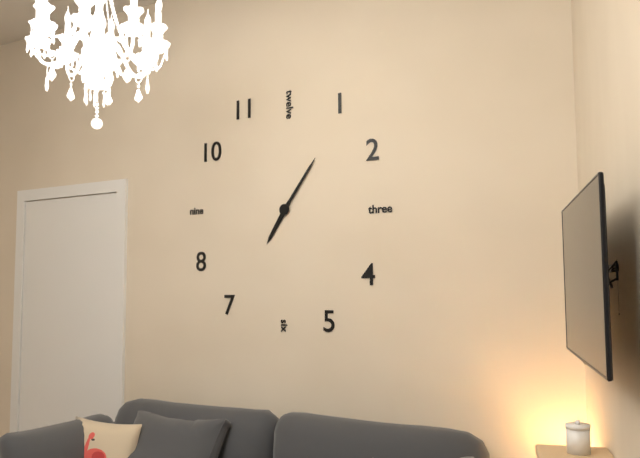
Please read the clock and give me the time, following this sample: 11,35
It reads 7,06
